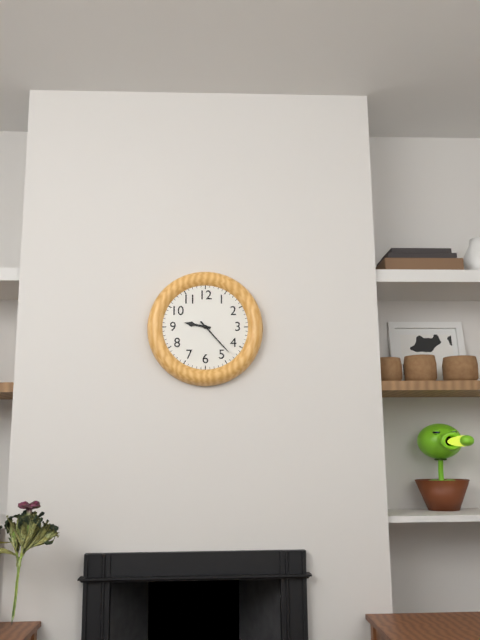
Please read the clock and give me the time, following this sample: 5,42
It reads 9,23
